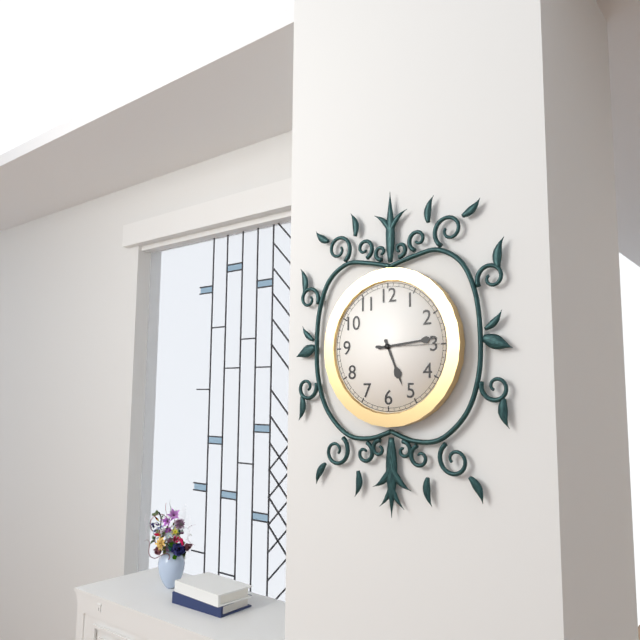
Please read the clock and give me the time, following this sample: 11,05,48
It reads 5,14,15
